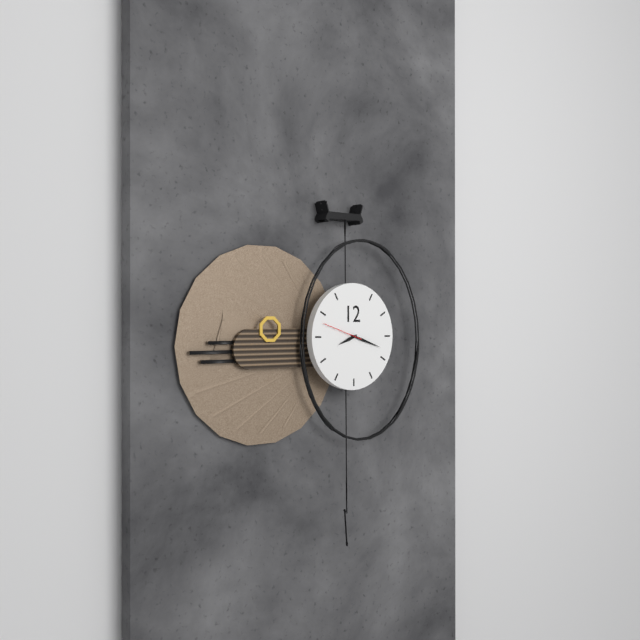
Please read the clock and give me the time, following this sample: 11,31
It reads 8,18
